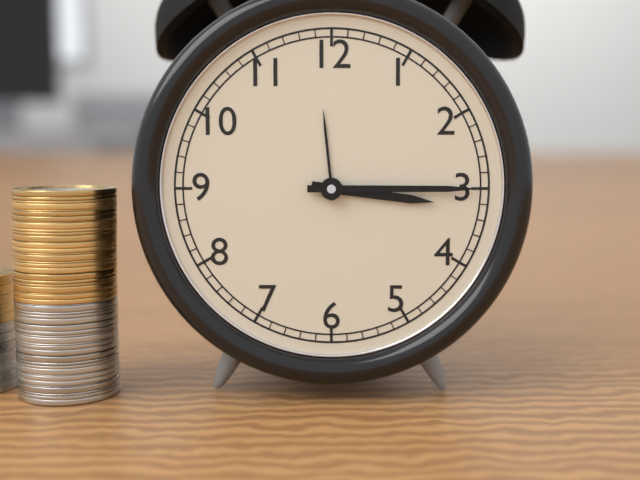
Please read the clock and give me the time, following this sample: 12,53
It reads 3,15
